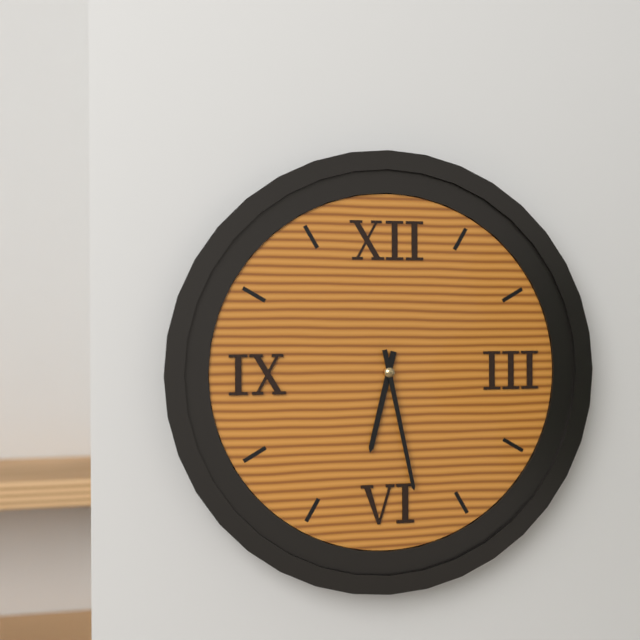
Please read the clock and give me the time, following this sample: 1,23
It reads 6,28
